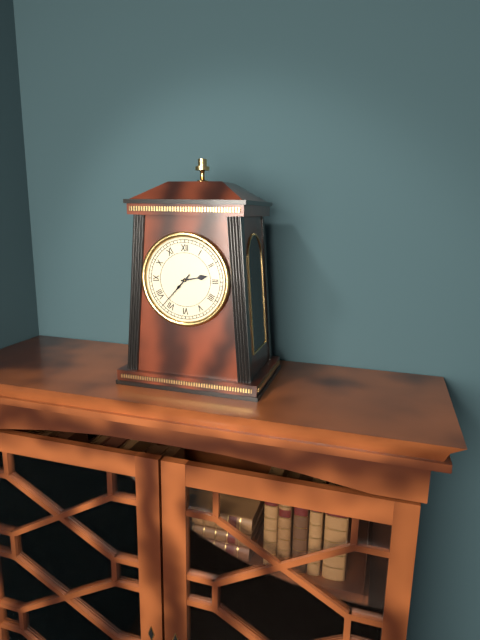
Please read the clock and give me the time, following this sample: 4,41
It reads 2,37
